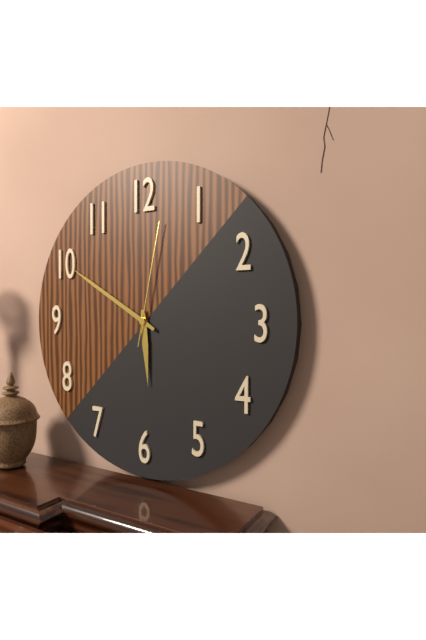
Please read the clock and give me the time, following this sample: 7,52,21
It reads 5,50,02
